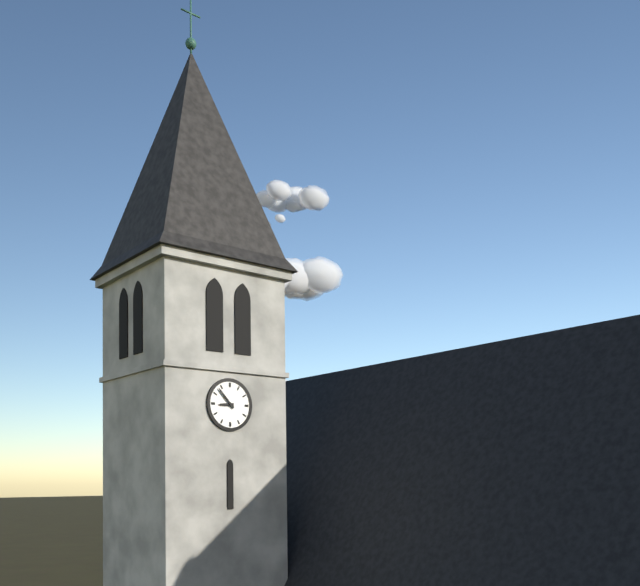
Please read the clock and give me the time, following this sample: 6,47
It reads 8,53
